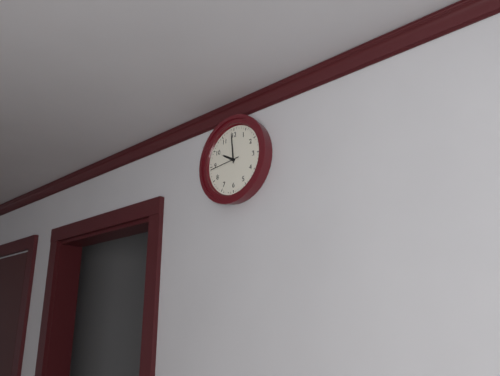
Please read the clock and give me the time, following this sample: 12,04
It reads 9,59
